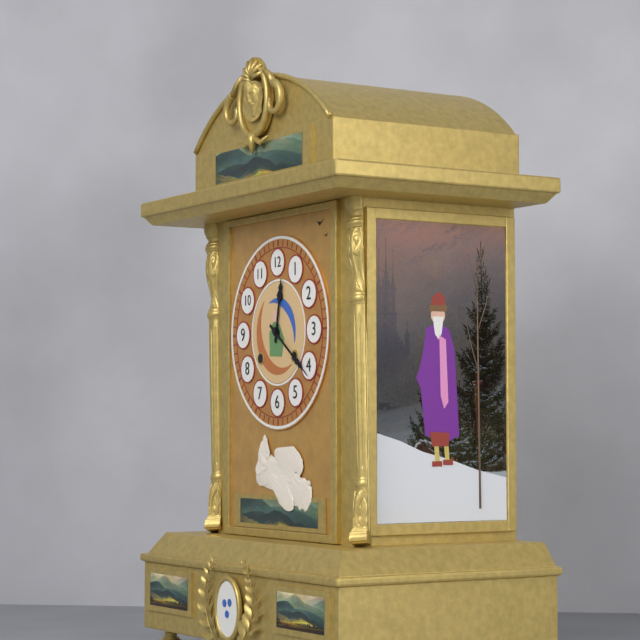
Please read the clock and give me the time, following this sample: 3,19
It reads 12,21
